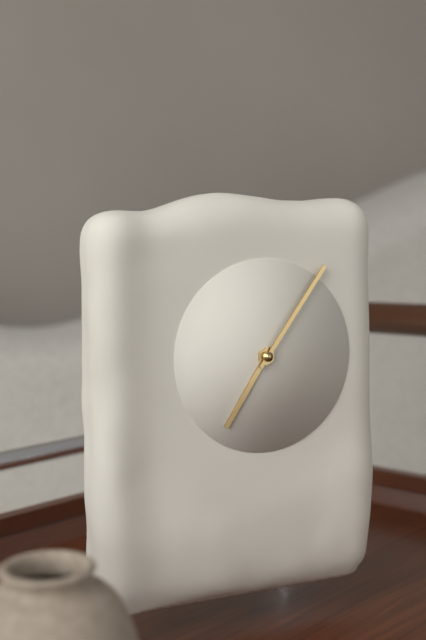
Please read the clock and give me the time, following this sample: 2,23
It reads 7,06
